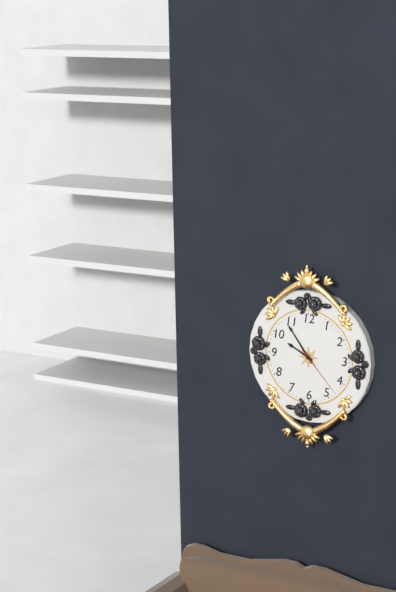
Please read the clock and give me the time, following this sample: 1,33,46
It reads 9,54,23
